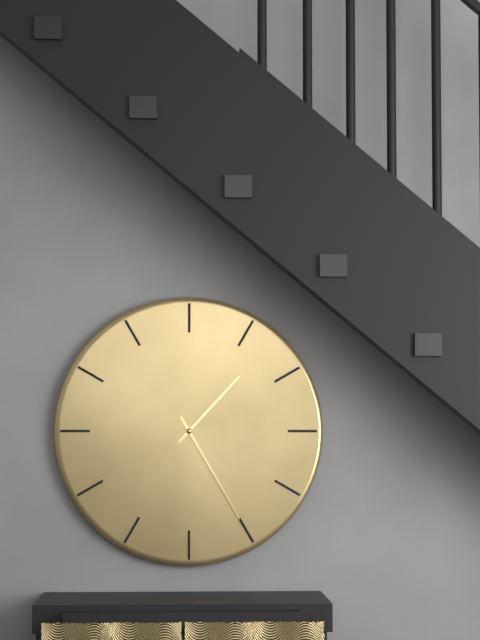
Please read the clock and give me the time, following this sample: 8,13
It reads 1,25
